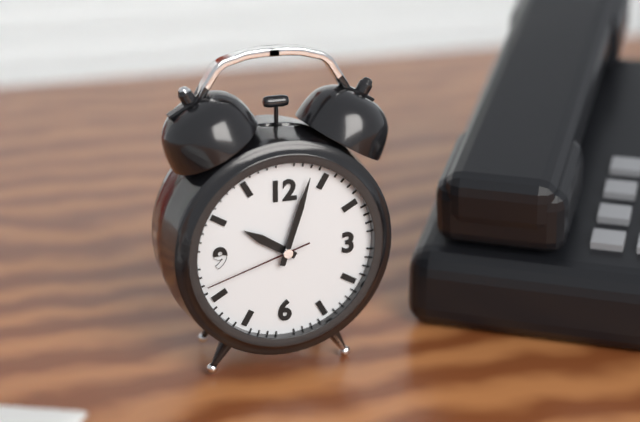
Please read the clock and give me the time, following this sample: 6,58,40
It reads 10,03,42
